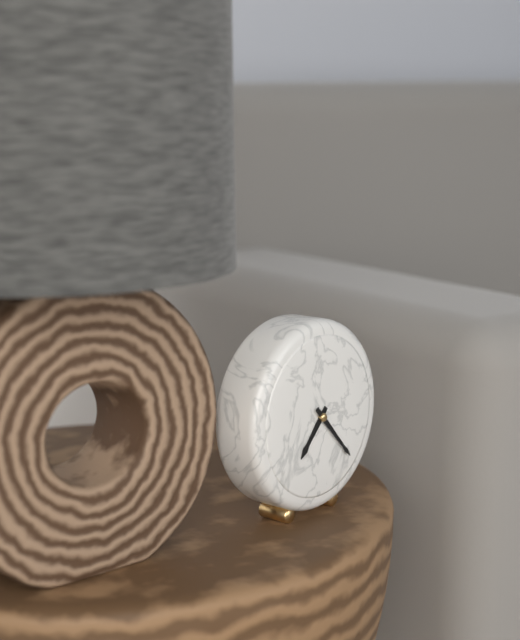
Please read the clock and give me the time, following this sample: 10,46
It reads 7,23
